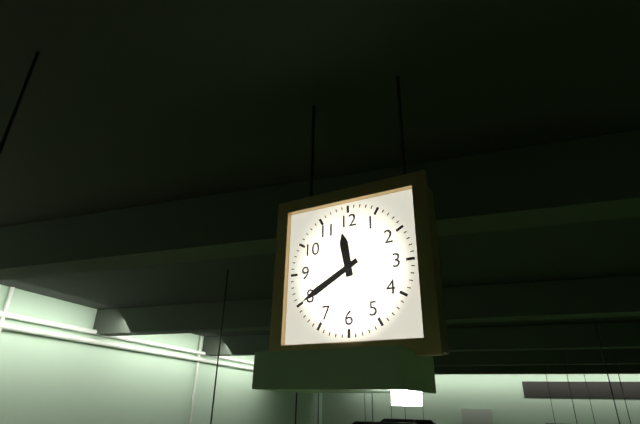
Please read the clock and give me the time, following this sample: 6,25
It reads 11,40
